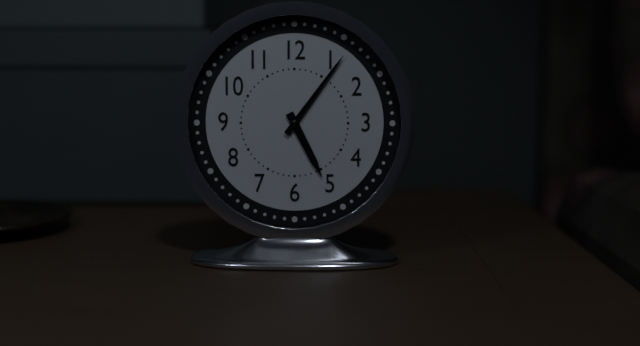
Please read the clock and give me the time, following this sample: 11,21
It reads 5,06
